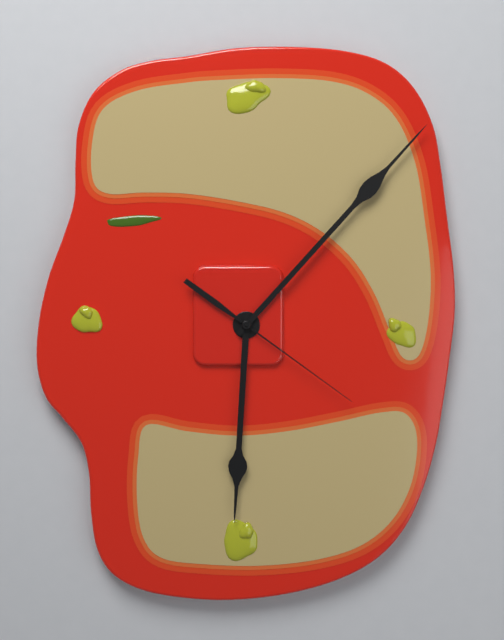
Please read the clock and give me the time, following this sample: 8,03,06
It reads 6,07,21
